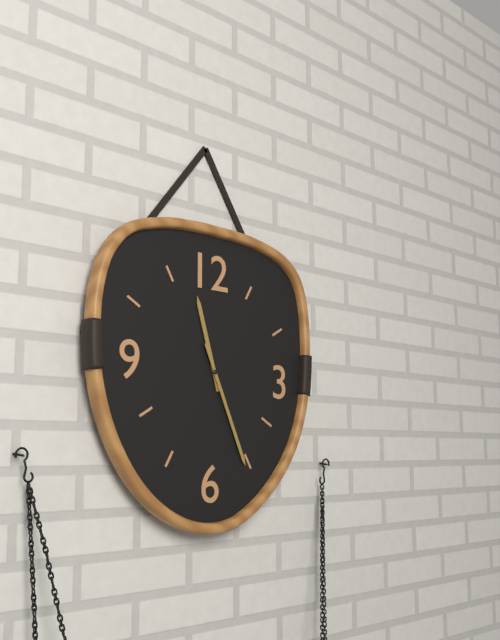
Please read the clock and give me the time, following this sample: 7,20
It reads 11,26
